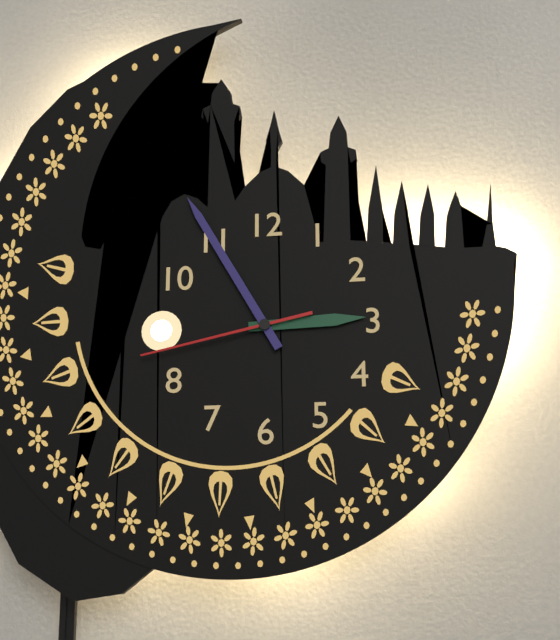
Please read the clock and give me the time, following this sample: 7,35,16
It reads 2,55,43
